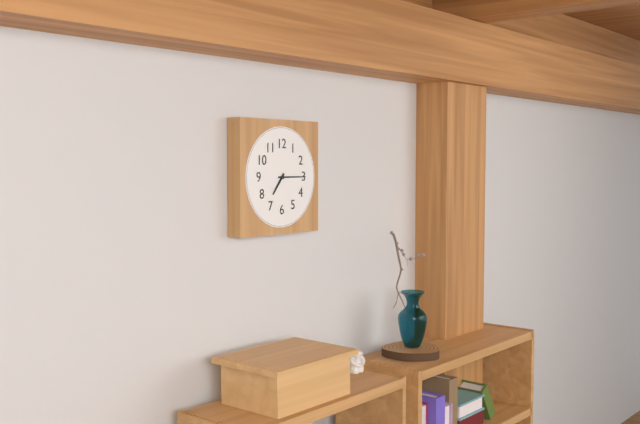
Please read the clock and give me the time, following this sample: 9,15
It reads 7,15
